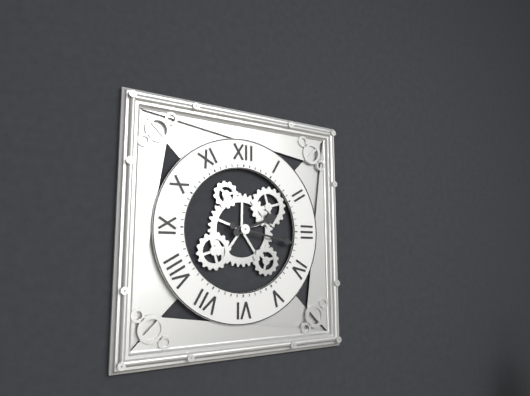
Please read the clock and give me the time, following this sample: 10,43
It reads 2,17
